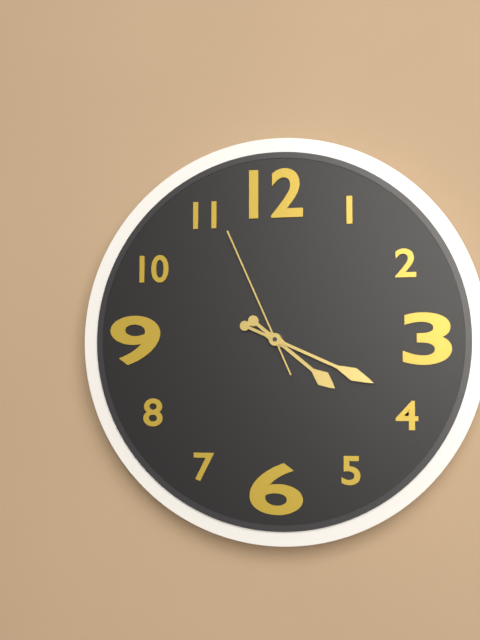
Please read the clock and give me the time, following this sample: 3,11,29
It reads 4,19,56
